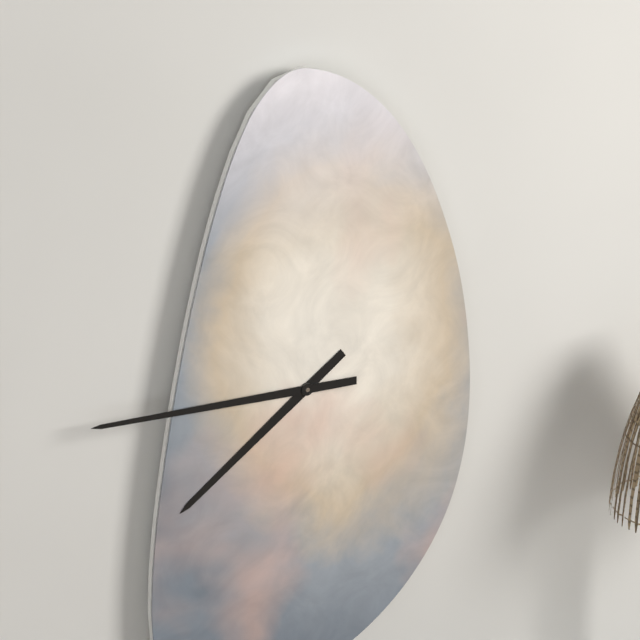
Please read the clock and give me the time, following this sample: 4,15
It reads 7,45
